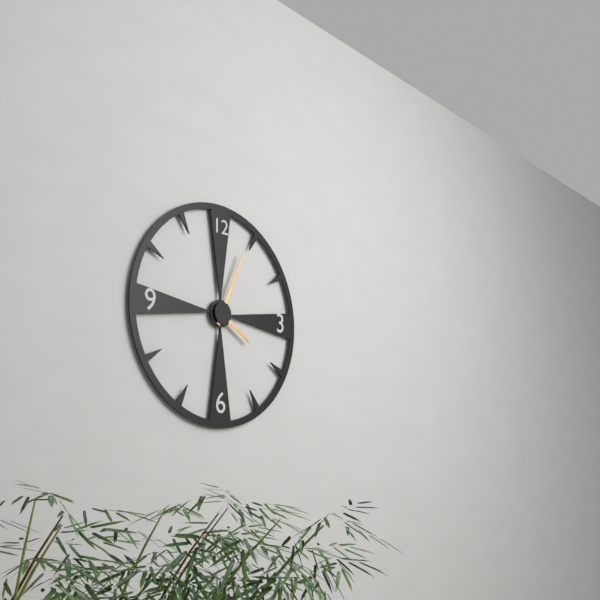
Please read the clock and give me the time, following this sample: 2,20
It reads 4,04
